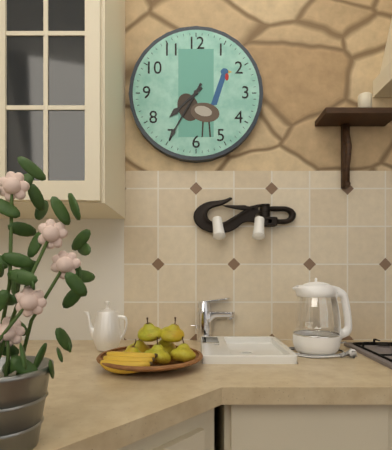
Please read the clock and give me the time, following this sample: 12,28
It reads 7,35
